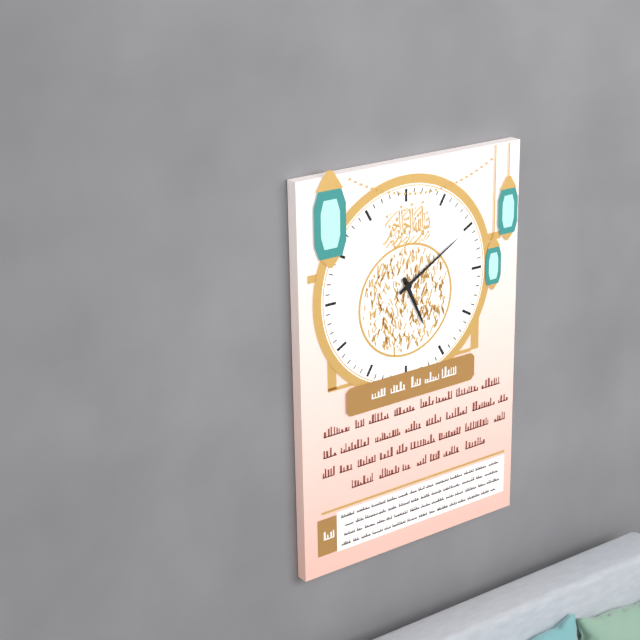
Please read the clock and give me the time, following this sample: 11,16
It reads 5,10
